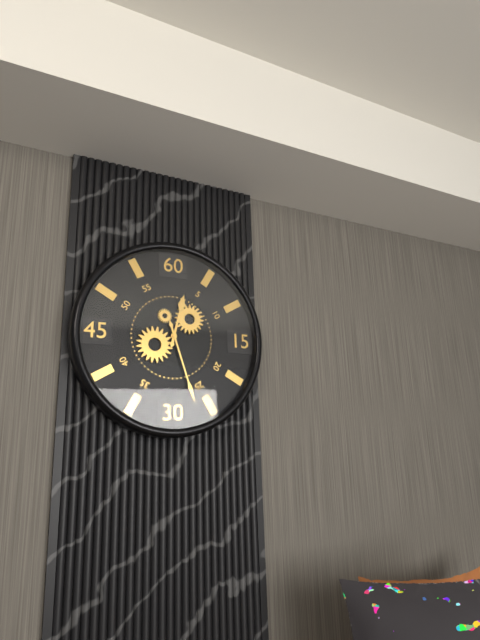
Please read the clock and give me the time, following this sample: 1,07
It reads 12,27
